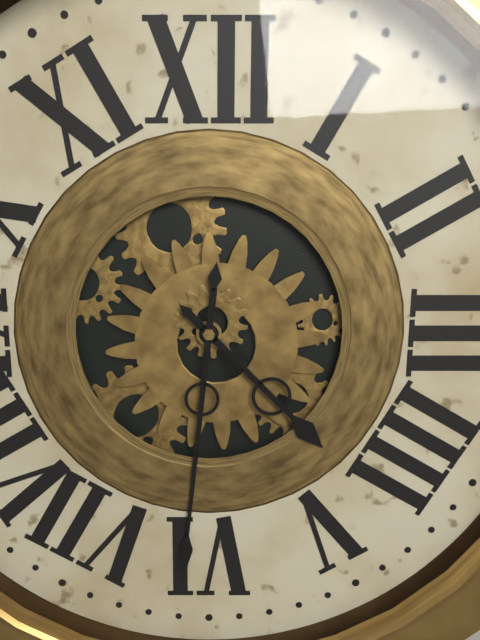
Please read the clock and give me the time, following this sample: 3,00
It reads 4,31
